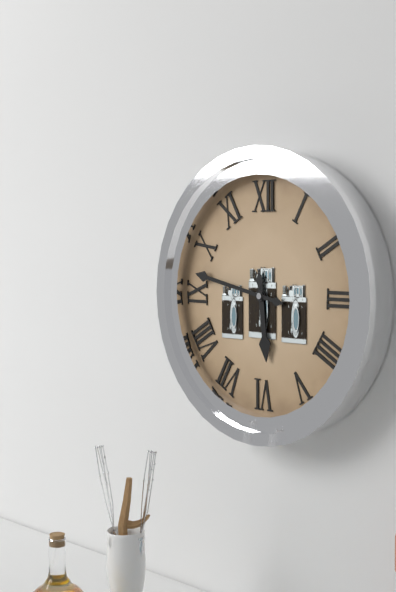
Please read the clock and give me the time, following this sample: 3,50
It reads 5,47
